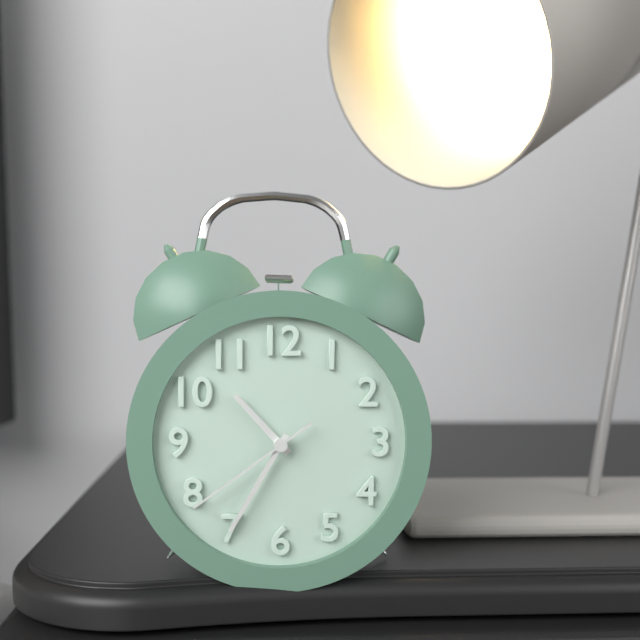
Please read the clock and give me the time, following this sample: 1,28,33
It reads 10,35,39
